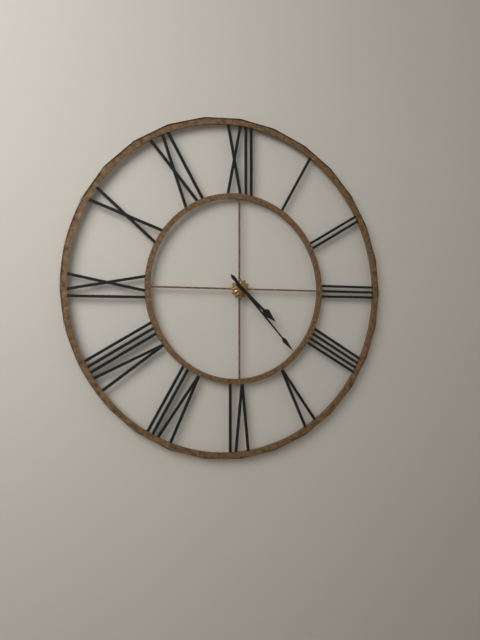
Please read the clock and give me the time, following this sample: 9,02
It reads 4,23
